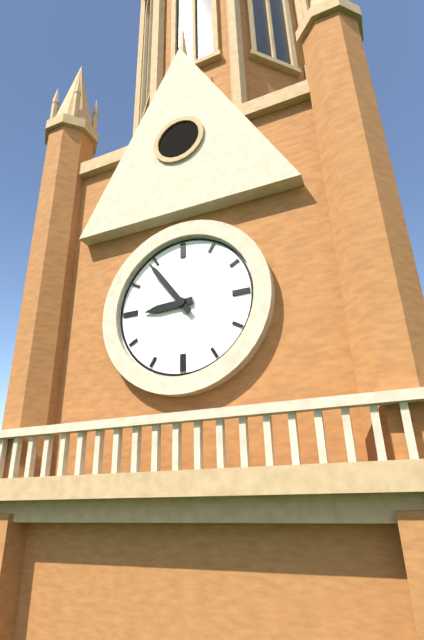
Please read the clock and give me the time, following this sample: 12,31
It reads 8,54
